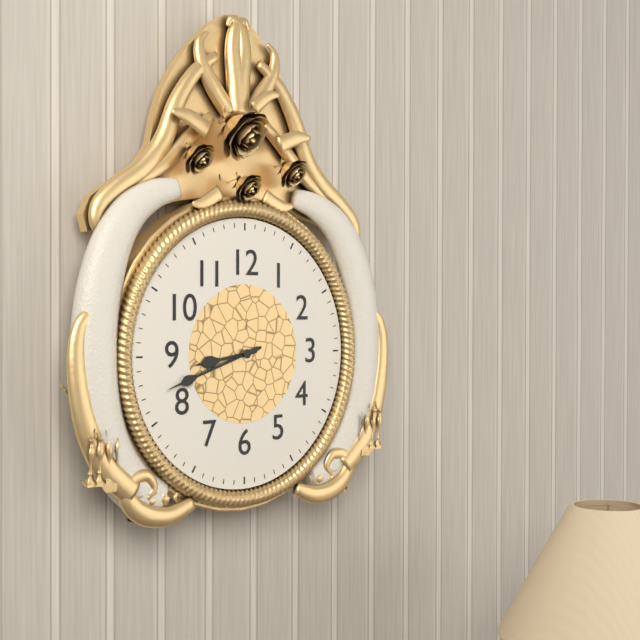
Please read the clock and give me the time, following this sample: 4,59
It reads 8,42
